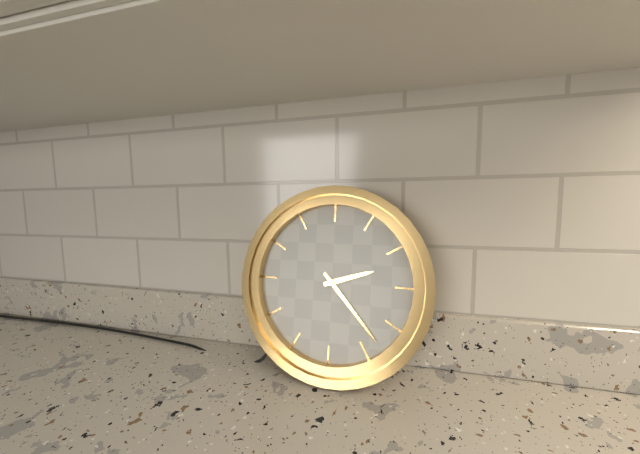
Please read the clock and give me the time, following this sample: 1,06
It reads 2,23
